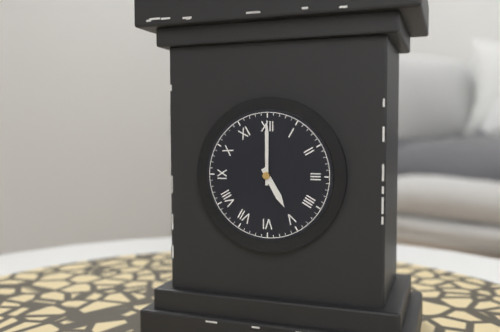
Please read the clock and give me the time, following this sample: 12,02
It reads 5,00
